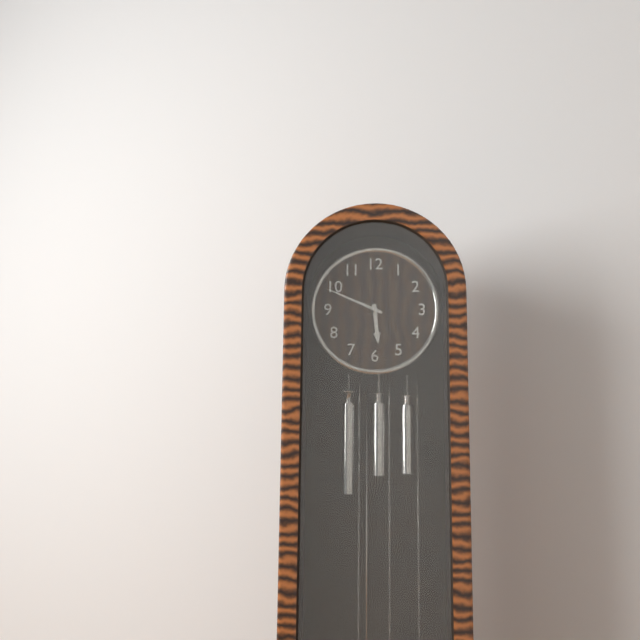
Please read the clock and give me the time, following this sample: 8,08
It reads 5,49
